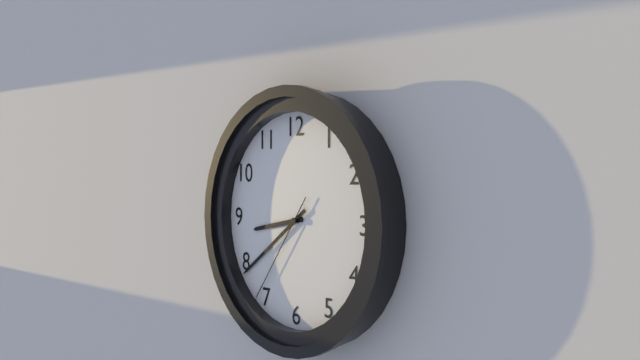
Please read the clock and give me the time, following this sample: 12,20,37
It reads 8,39,36
